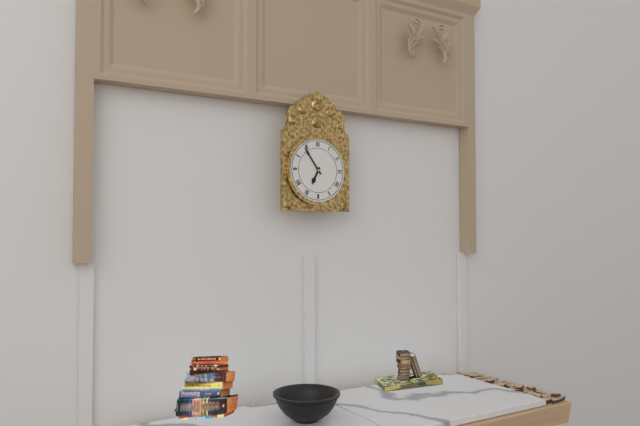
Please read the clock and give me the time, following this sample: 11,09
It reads 6,54
